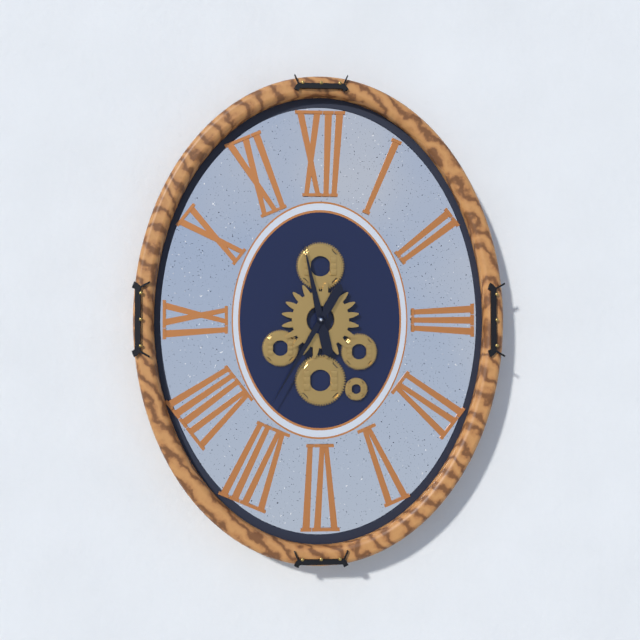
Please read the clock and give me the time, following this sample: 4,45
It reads 11,35
